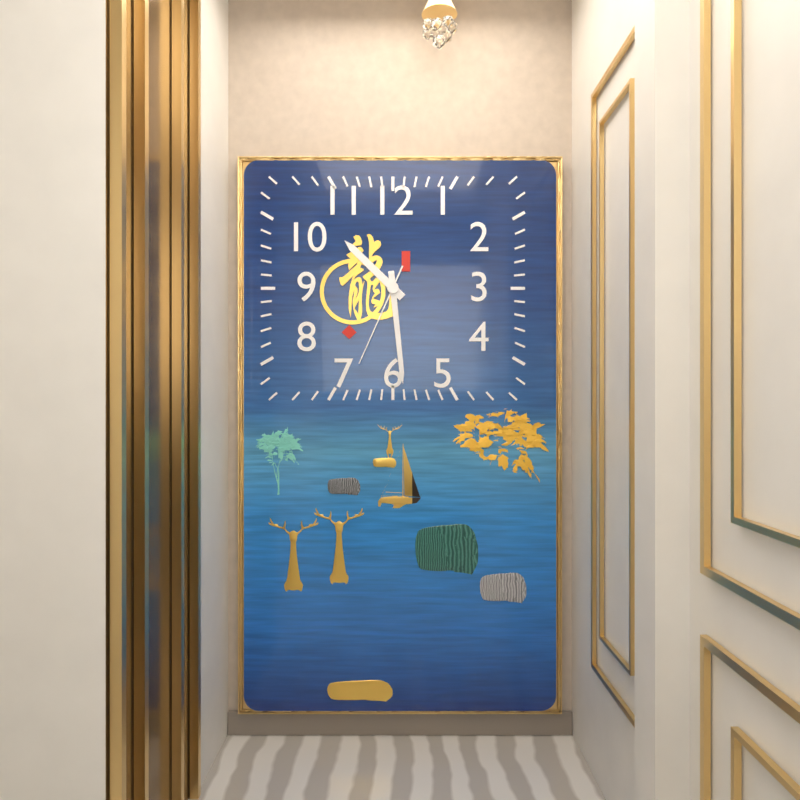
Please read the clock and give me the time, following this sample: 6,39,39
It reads 10,29,34
